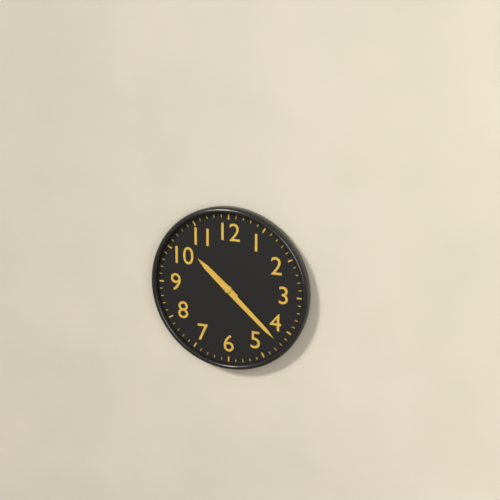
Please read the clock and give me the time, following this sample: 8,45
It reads 10,22
